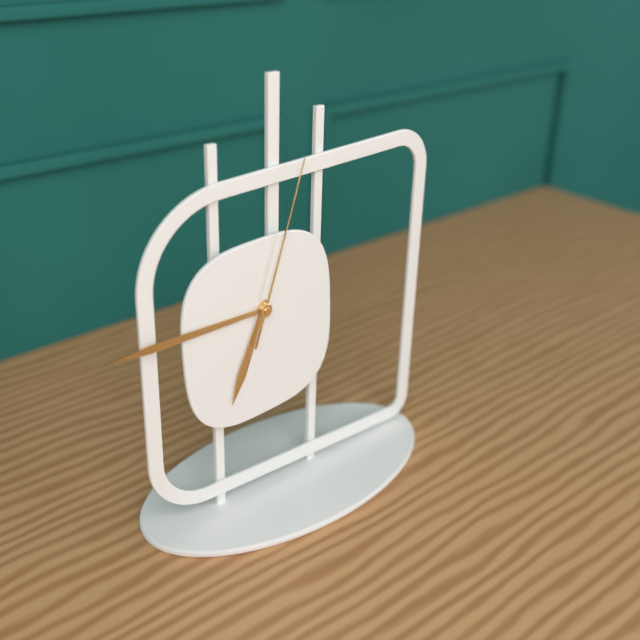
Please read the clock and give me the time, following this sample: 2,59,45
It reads 6,45,03
